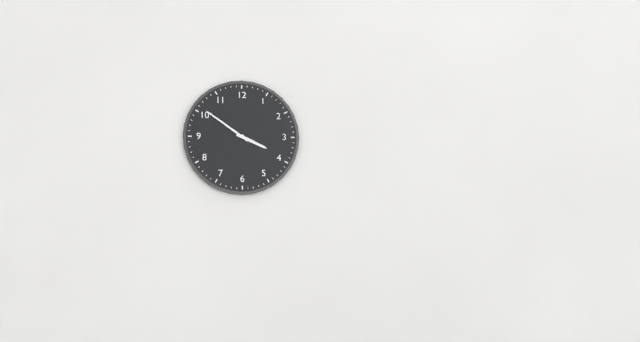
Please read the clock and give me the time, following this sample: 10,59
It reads 3,51
